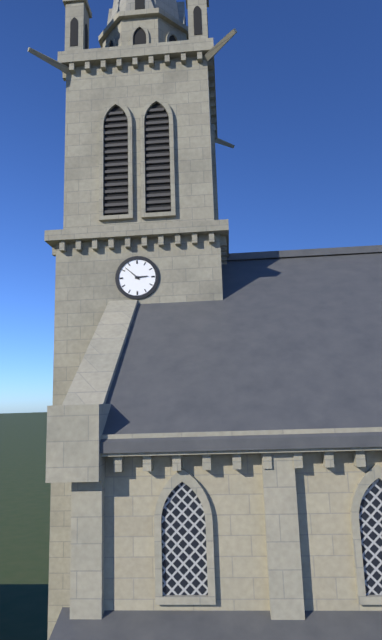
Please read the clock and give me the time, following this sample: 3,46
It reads 2,52
